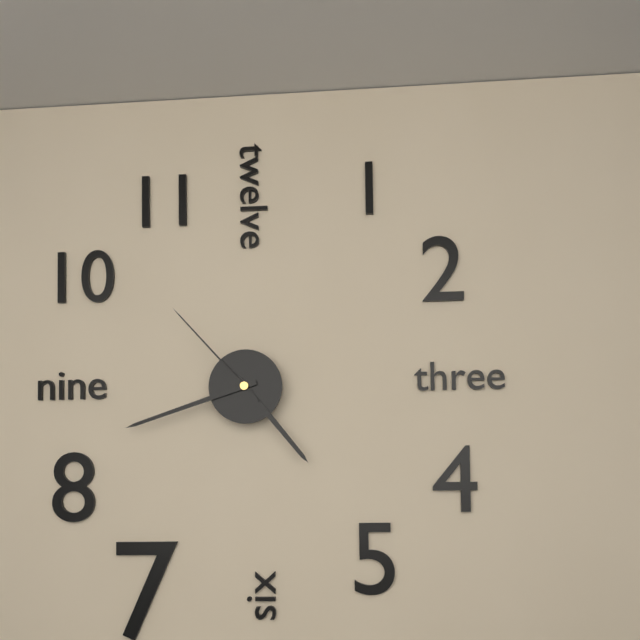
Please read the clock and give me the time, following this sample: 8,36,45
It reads 4,42,53
